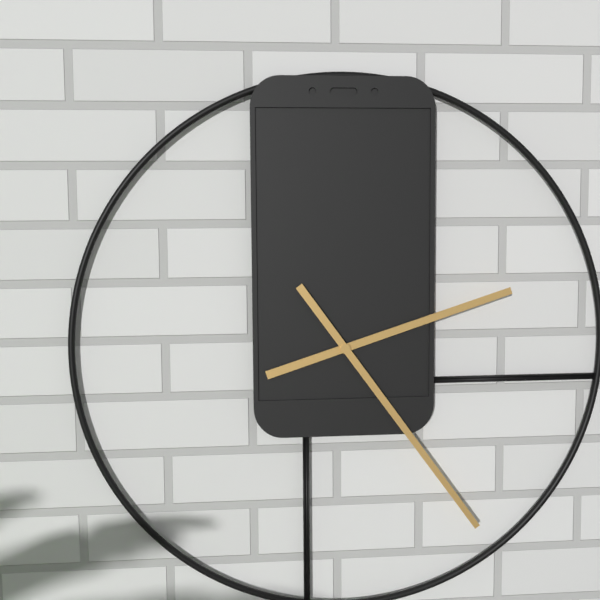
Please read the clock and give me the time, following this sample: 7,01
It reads 2,24
